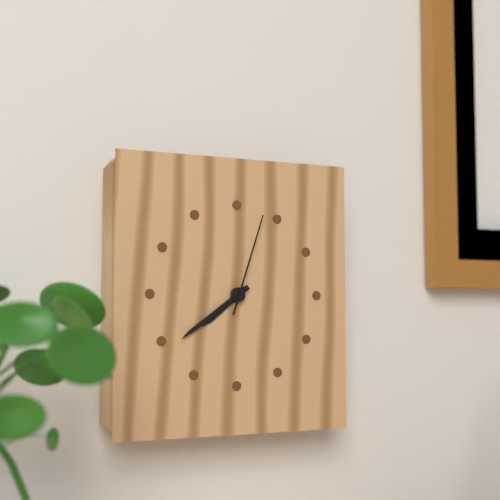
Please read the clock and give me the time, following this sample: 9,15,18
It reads 7,39,03
